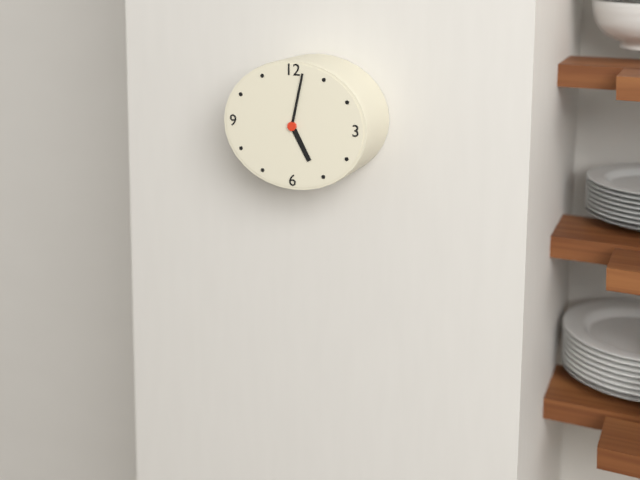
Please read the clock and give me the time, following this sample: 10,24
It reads 5,02
